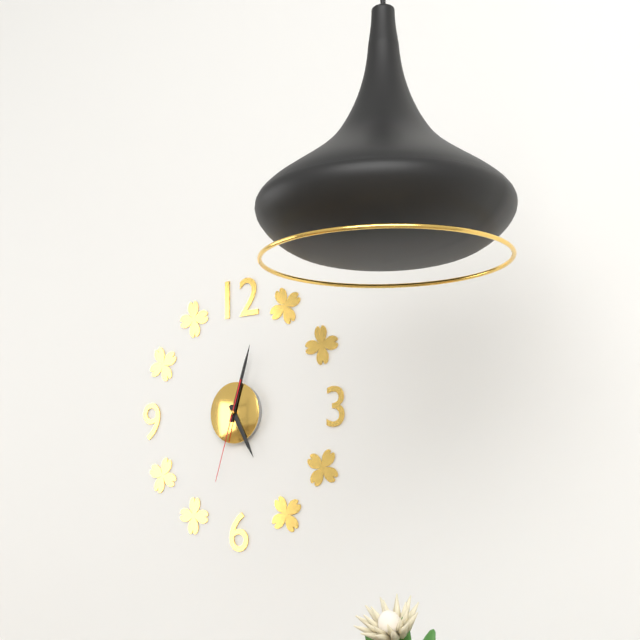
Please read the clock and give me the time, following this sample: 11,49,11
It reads 5,03,33
